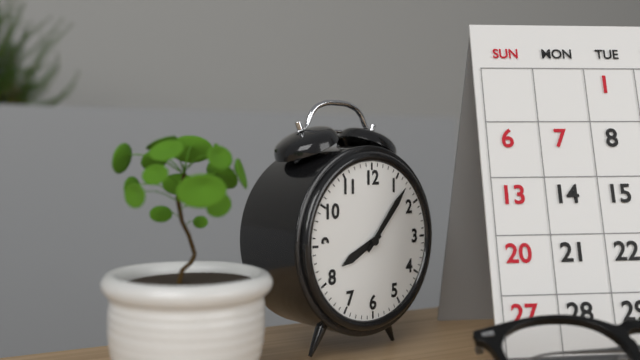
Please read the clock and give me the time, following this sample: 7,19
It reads 8,07
